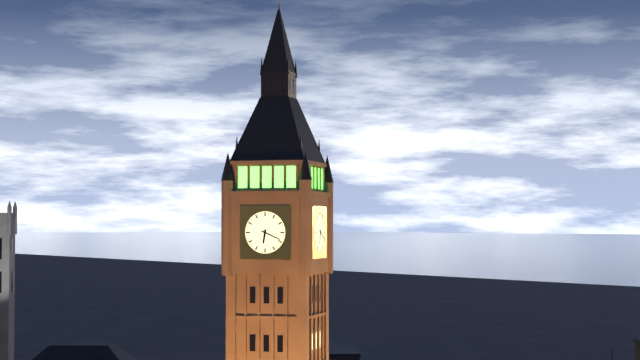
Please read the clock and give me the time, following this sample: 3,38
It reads 6,19
